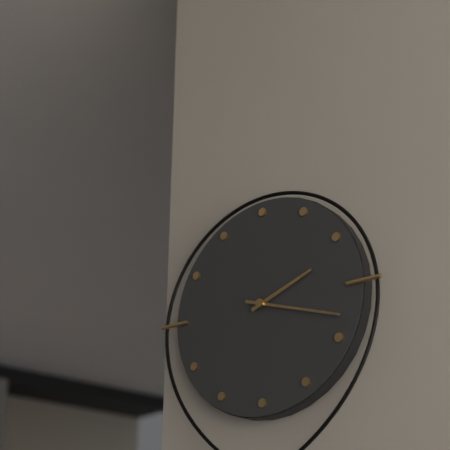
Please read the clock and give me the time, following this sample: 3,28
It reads 2,18
